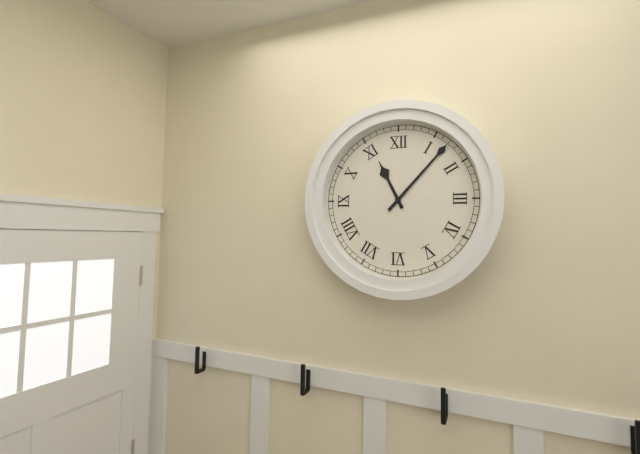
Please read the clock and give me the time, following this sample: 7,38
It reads 11,07
